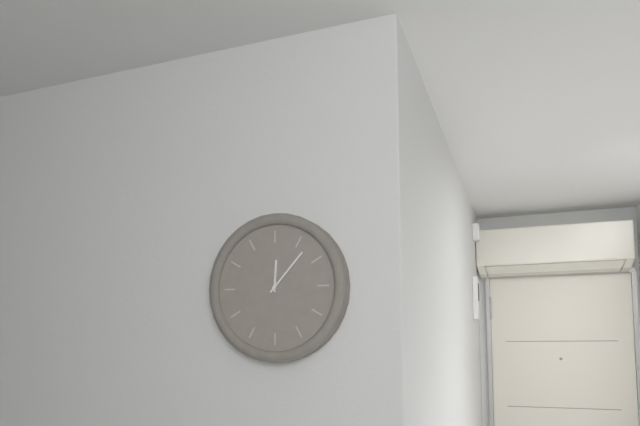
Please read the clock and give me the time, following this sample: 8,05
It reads 12,07
